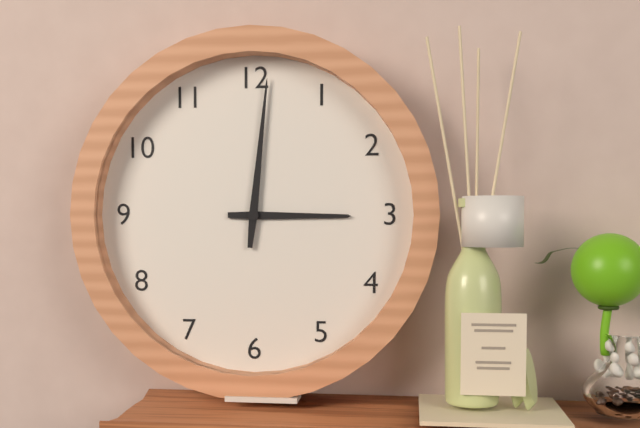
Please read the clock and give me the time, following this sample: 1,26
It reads 3,01
